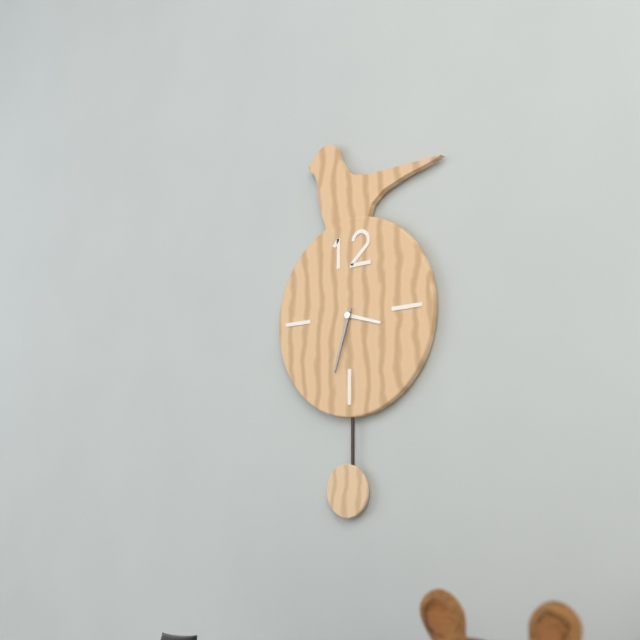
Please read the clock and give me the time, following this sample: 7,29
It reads 3,33
